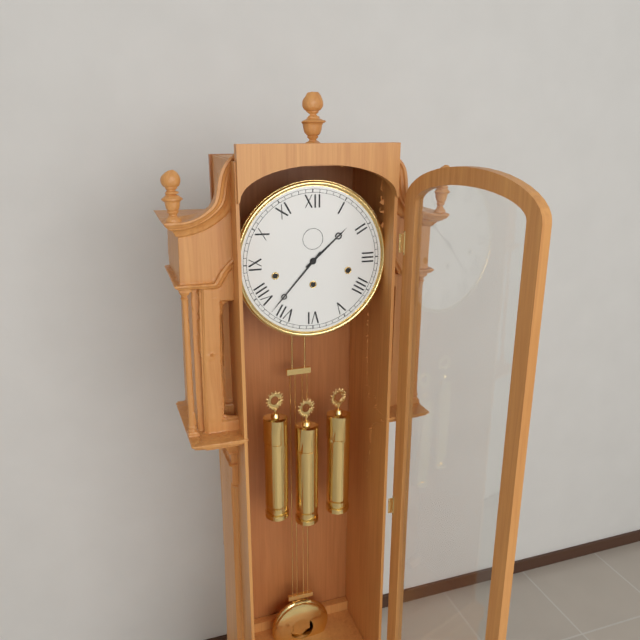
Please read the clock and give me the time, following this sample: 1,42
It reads 1,37
